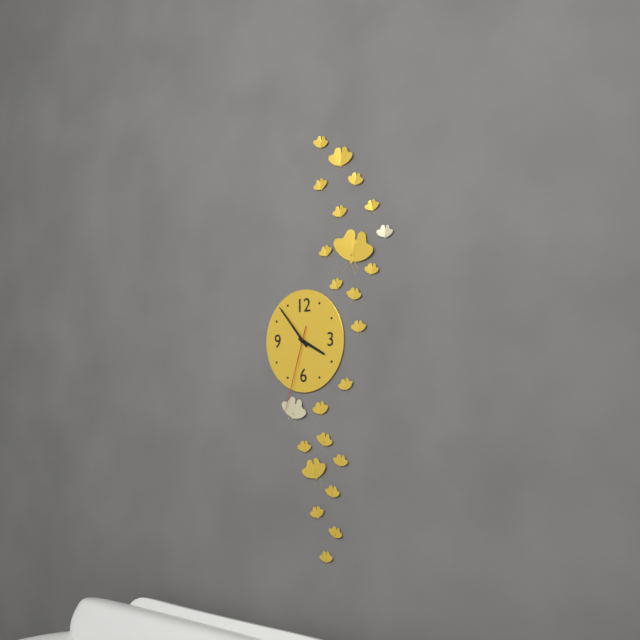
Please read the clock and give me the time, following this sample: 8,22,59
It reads 3,53,33
